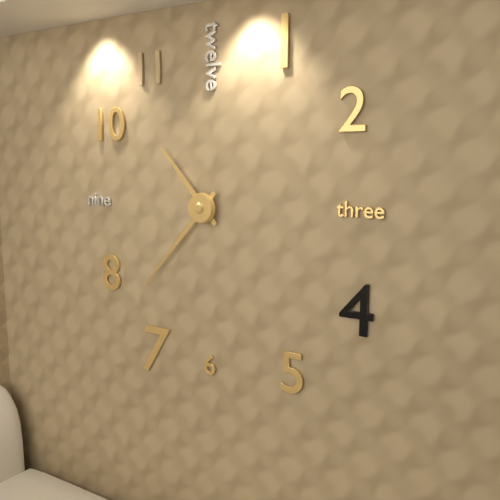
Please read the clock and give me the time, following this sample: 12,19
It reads 10,37
